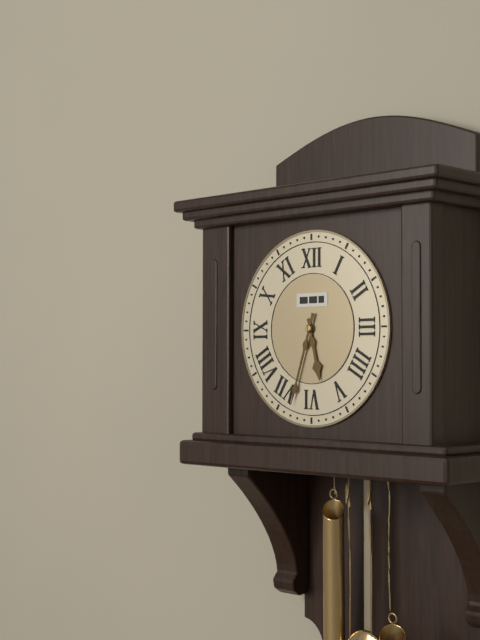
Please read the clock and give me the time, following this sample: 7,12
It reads 5,33
